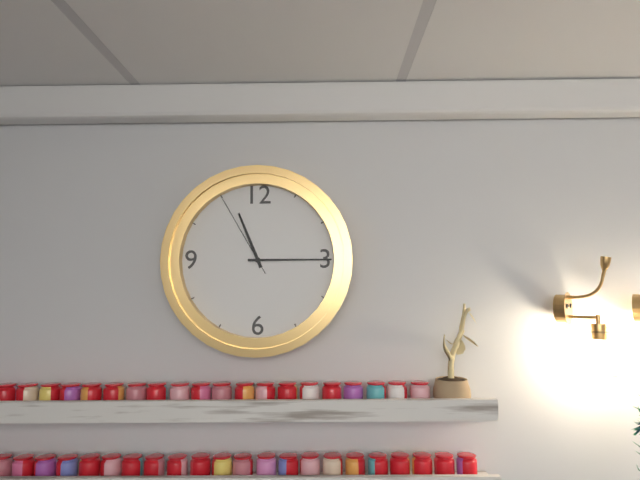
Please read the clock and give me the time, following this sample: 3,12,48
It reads 11,15,55
